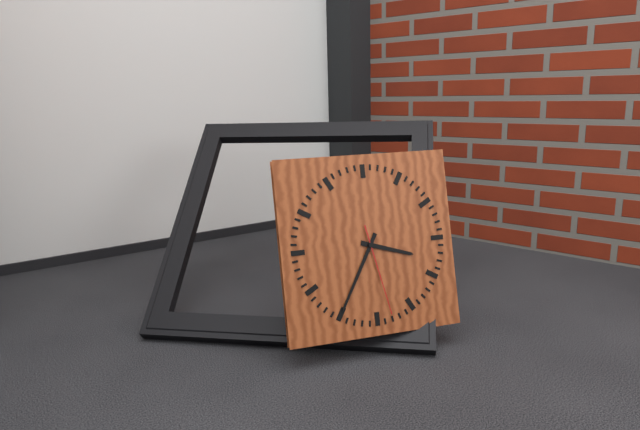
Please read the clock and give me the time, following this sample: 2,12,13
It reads 3,35,28
